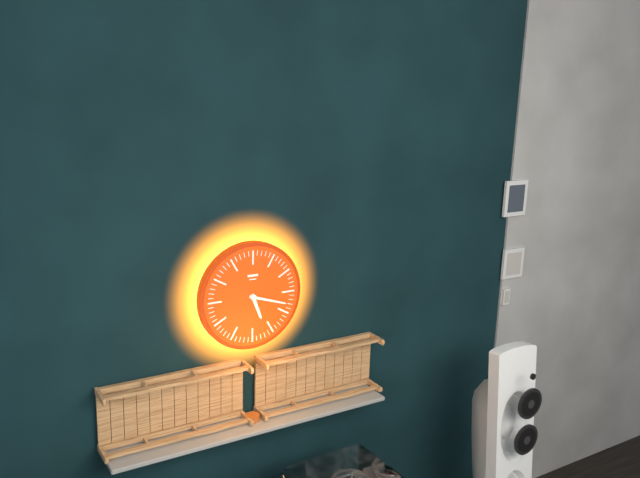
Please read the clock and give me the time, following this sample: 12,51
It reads 5,18
